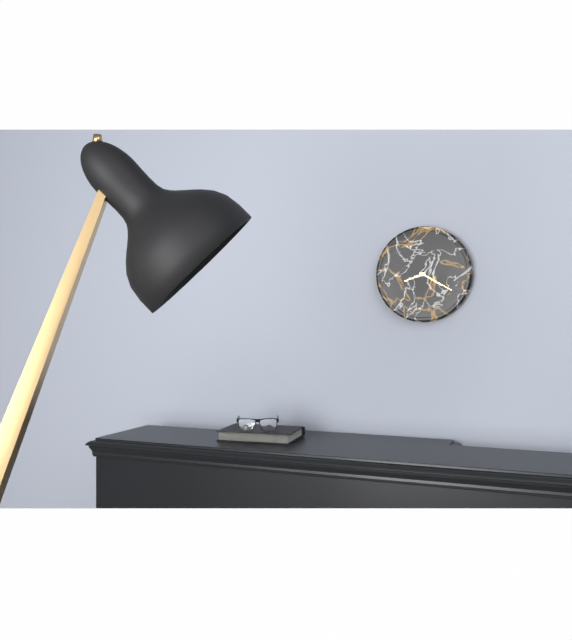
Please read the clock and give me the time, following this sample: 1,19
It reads 8,20
